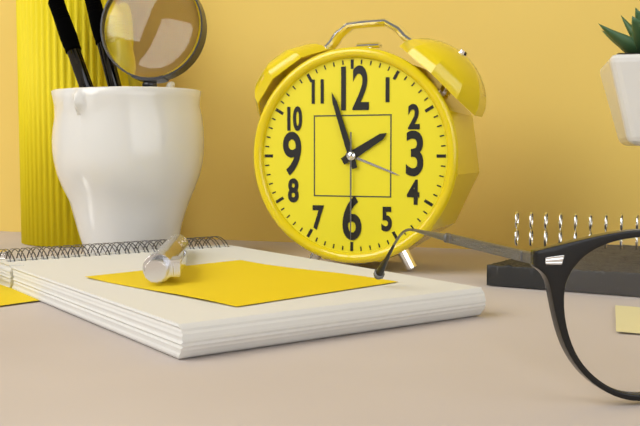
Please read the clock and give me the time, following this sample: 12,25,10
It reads 1,57,30
